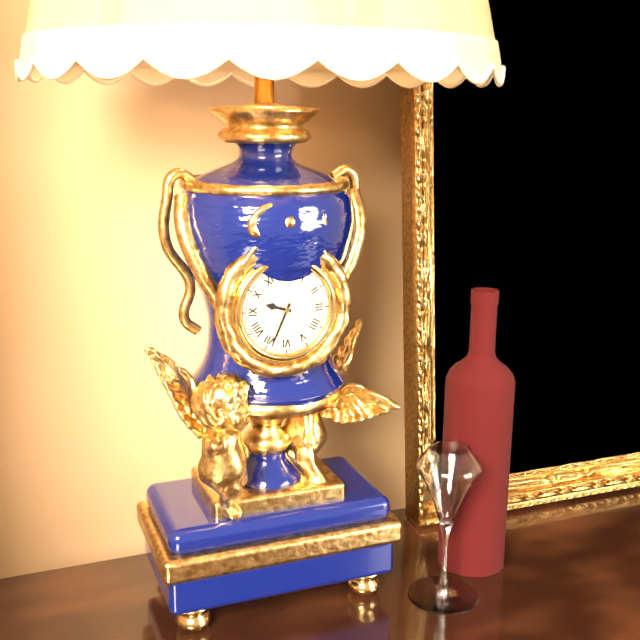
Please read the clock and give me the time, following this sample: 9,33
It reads 9,34
